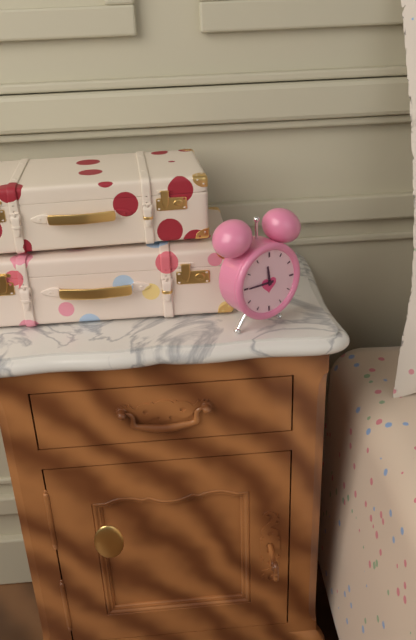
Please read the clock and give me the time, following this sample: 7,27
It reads 11,45
